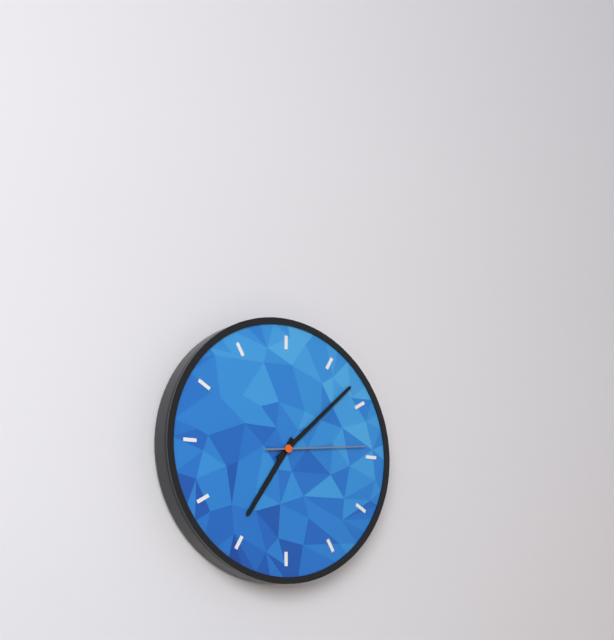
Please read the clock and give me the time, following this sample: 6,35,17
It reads 7,08,14
